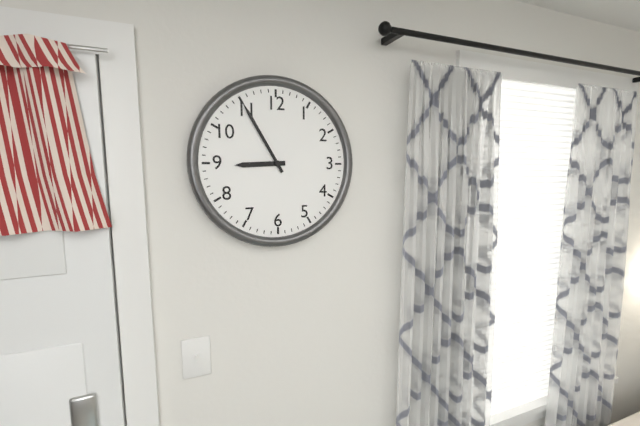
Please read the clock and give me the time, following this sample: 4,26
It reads 8,55
